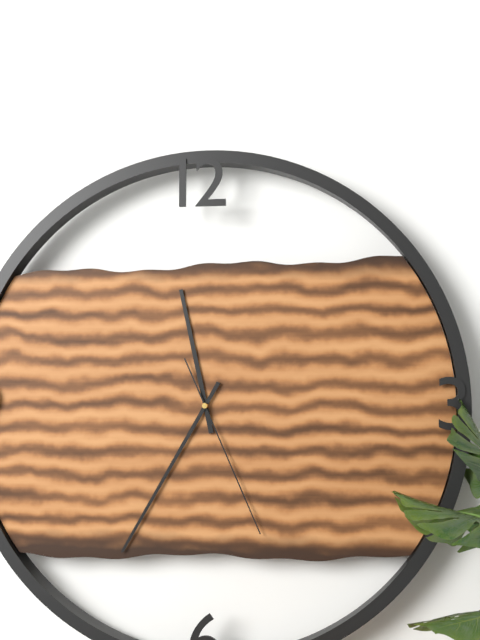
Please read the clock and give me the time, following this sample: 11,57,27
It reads 11,35,26
